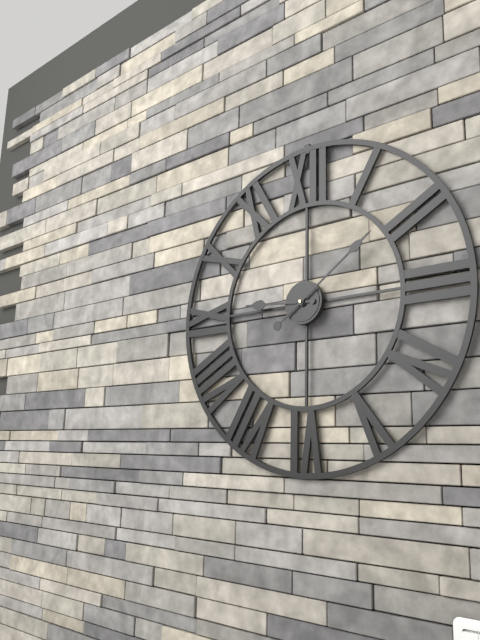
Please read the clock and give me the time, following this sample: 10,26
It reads 9,09
